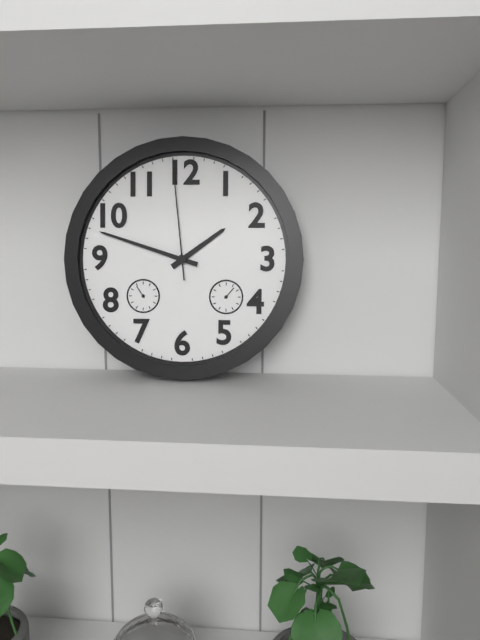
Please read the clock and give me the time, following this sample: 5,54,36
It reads 1,48,59
